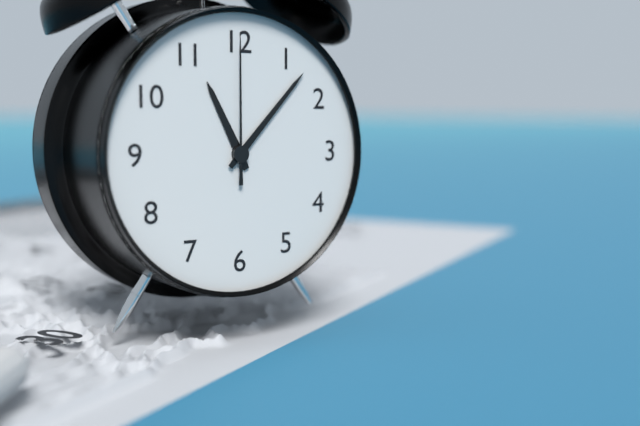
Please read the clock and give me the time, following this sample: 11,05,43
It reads 11,07,00
